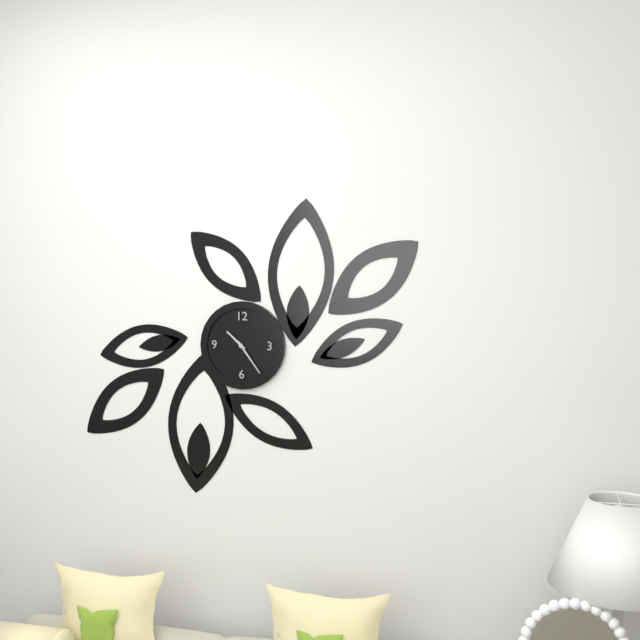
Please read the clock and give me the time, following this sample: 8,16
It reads 10,24
